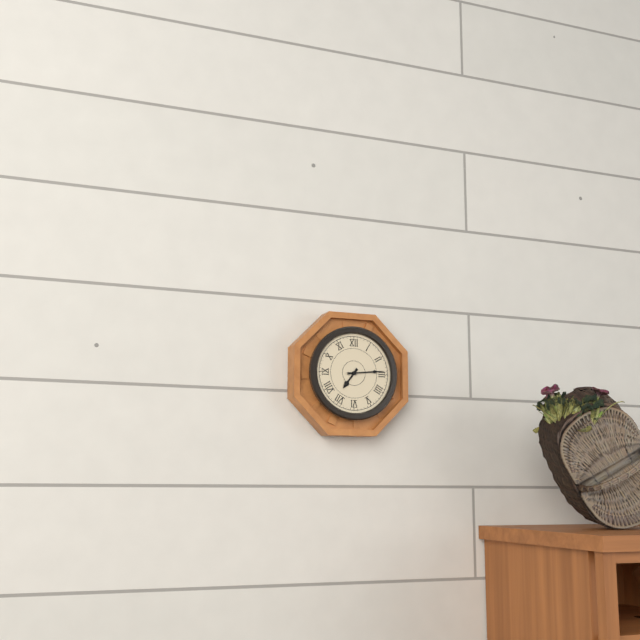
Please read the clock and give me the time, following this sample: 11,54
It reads 7,14
